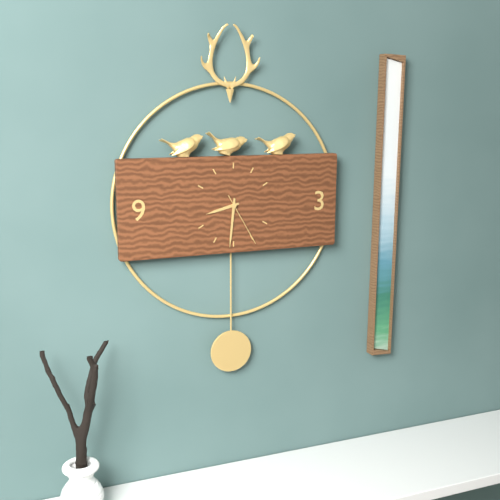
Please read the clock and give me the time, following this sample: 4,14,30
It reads 8,31,25
